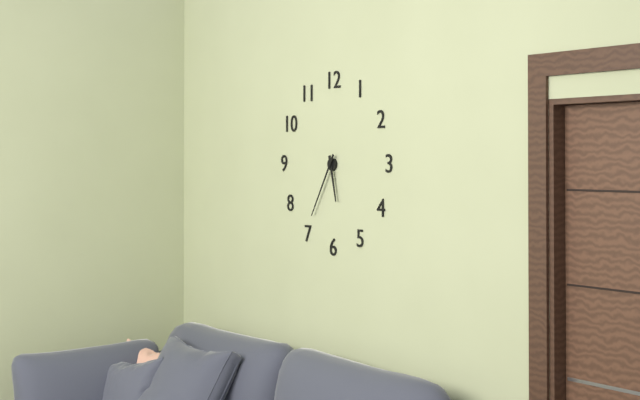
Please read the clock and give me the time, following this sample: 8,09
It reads 5,35
